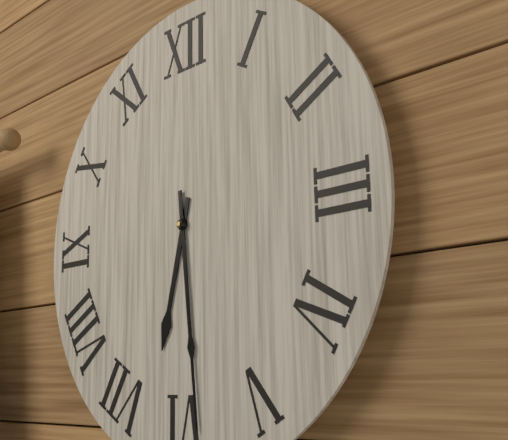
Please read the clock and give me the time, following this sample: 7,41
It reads 6,29
